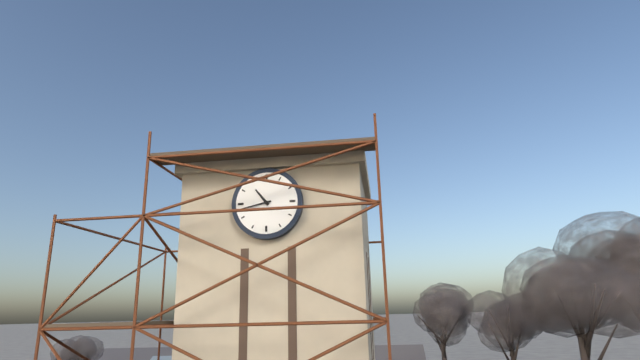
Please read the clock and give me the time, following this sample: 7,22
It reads 10,43
